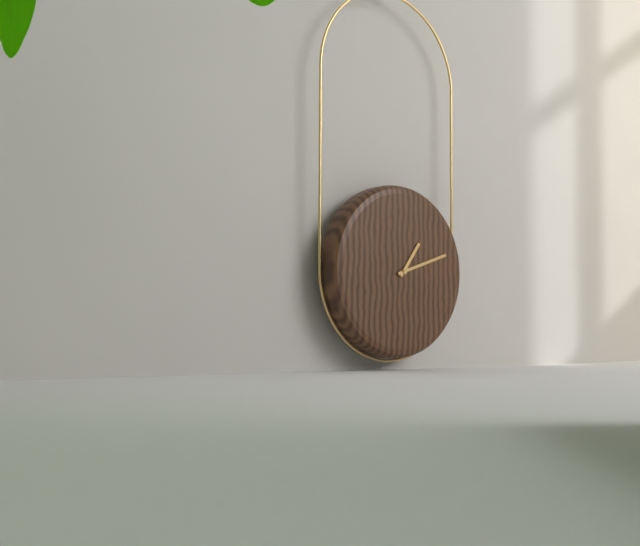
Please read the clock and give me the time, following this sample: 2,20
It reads 1,12
